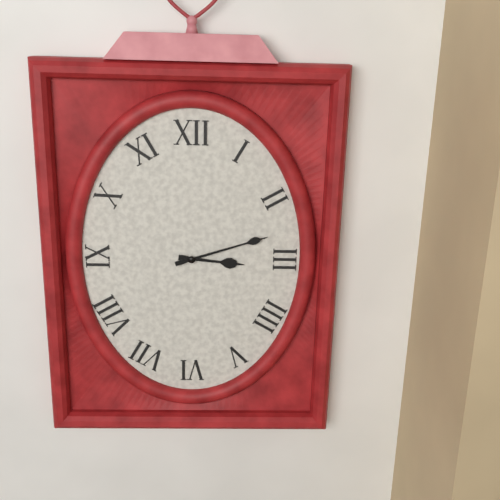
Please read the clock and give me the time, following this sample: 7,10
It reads 3,12
